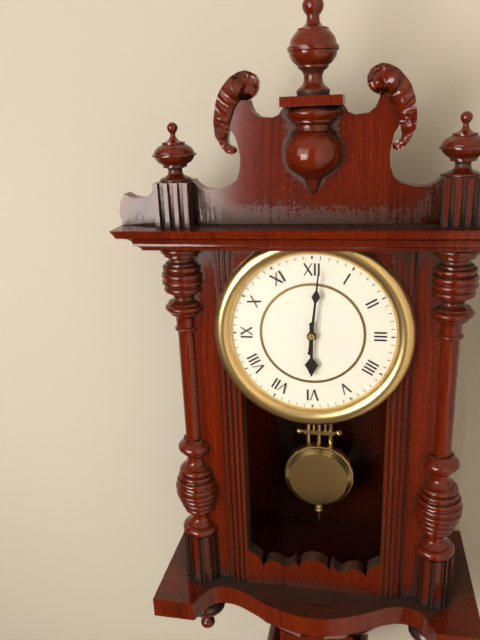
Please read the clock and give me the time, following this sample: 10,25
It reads 6,01
